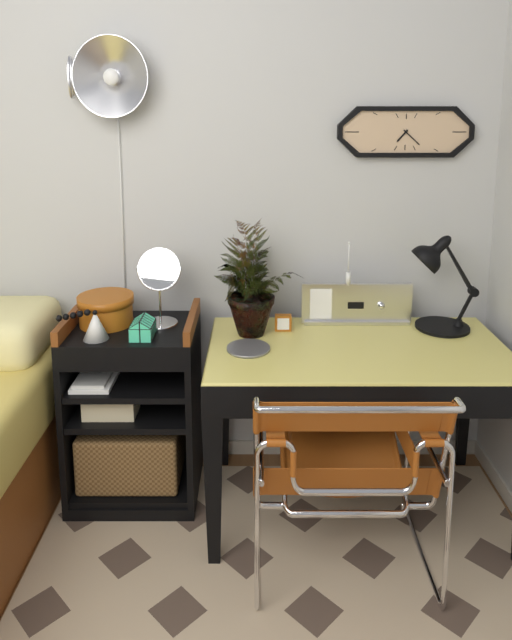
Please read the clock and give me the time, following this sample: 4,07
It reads 7,22
